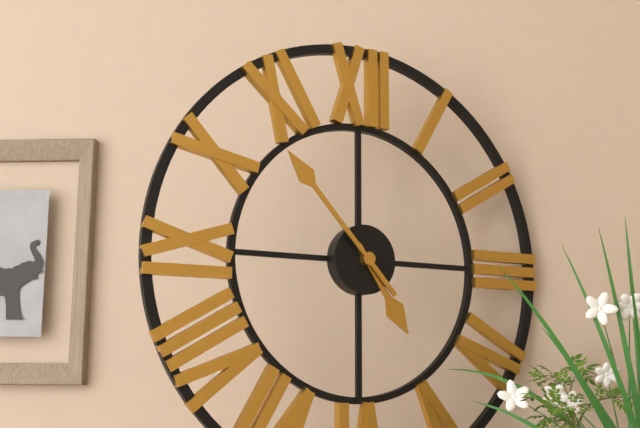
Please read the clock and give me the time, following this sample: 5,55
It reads 4,53
